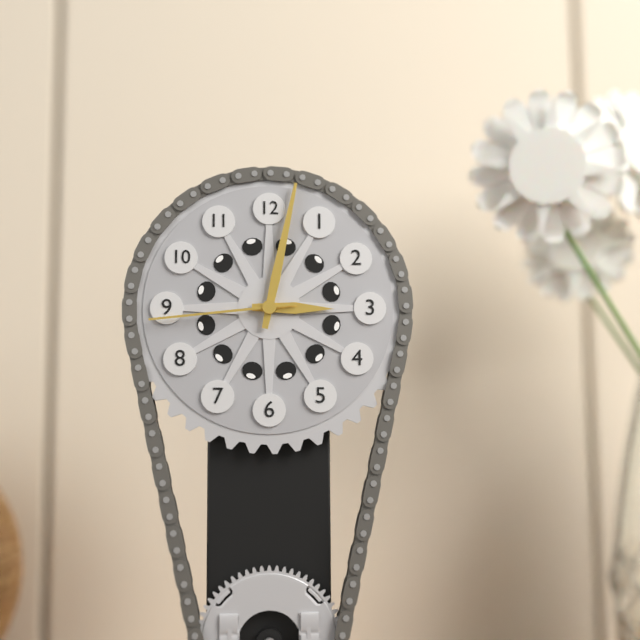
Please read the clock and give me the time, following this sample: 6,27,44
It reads 3,02,44
